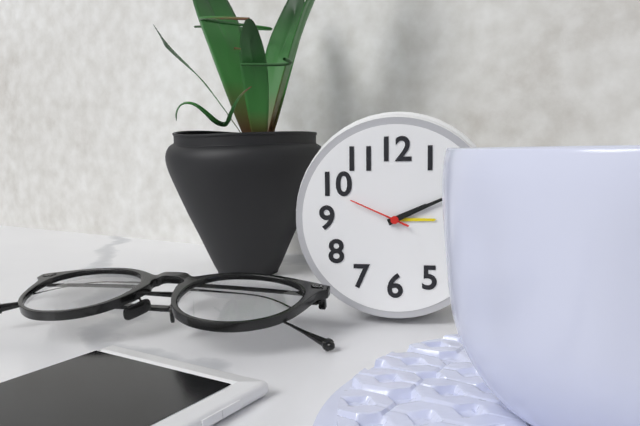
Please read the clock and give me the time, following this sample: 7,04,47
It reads 2,11,49
